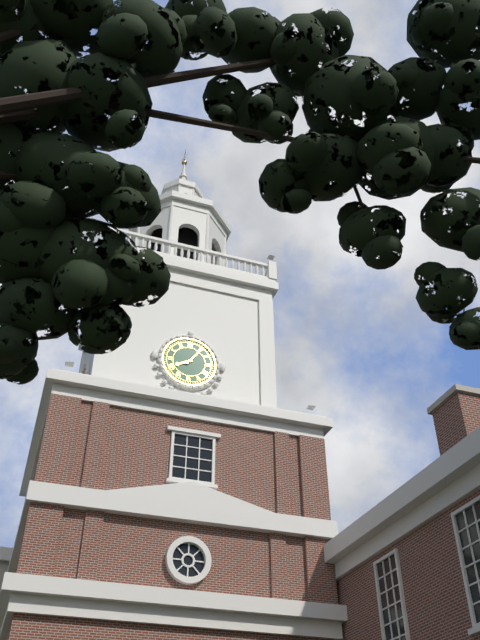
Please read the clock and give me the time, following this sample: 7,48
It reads 8,06
